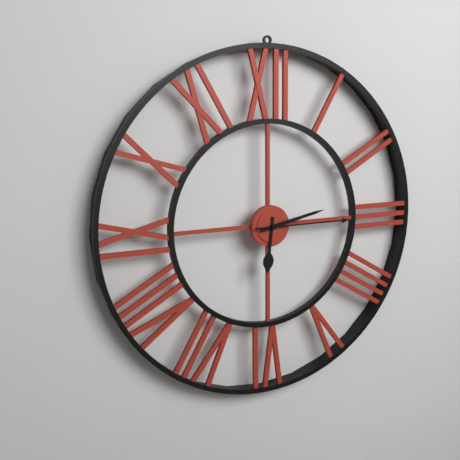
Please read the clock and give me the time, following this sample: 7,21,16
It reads 6,13,15
